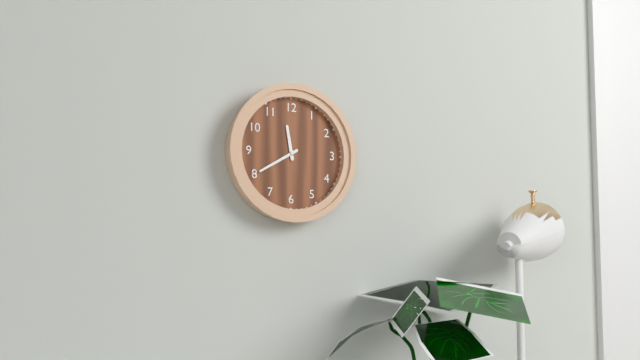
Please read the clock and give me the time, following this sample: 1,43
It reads 11,40
